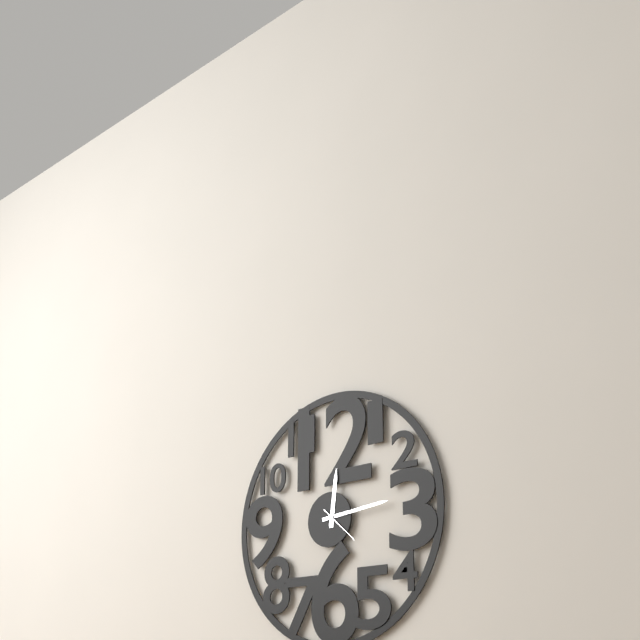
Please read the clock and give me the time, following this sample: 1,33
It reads 12,14
